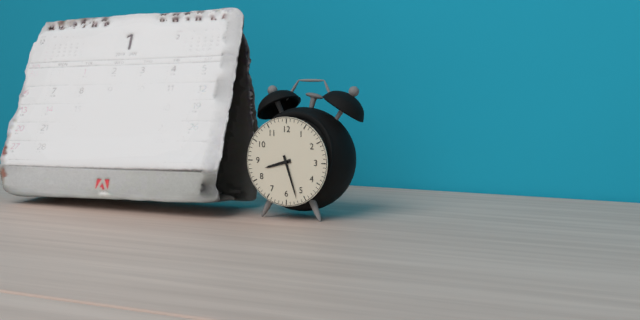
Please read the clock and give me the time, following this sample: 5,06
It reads 8,27
